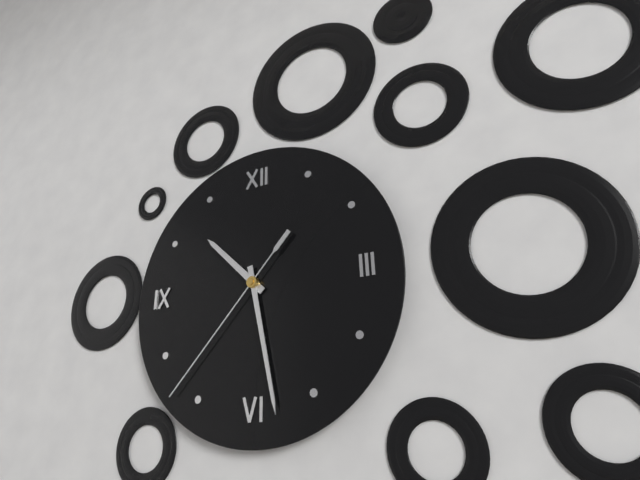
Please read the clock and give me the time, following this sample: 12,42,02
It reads 10,28,37
